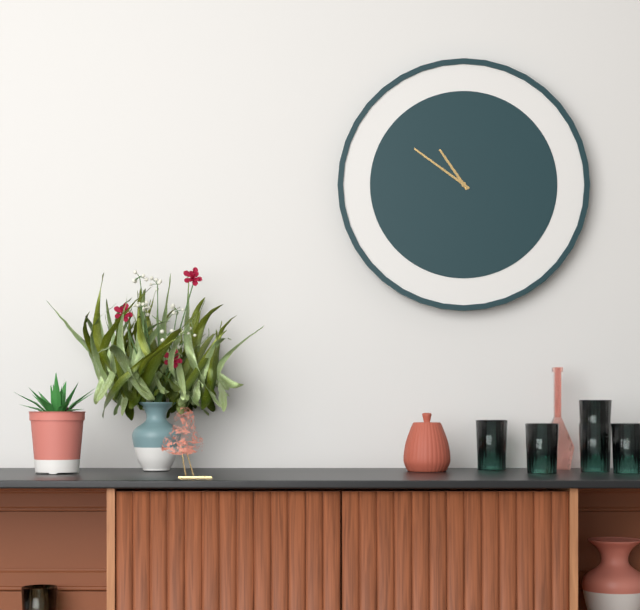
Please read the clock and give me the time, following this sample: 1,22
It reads 10,51
